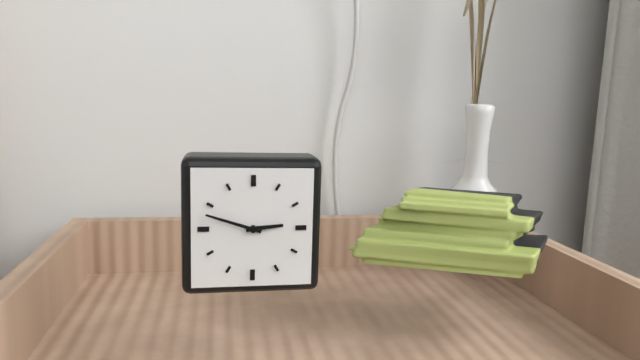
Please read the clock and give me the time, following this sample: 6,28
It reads 2,48
